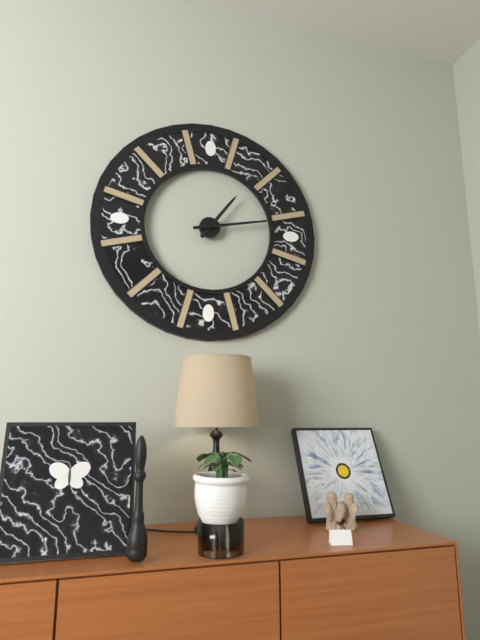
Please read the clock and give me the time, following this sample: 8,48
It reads 1,13
